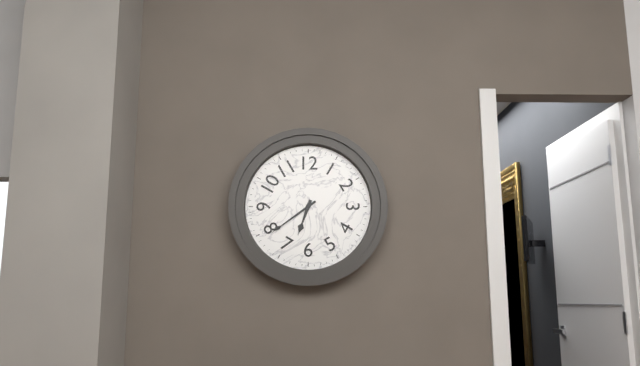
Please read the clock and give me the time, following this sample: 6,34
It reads 6,39
